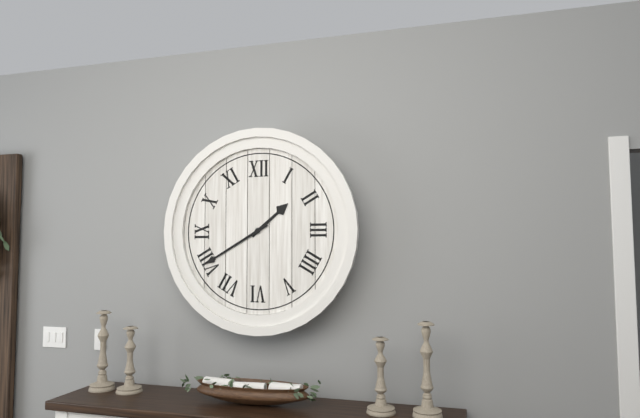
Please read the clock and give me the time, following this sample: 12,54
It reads 1,40
